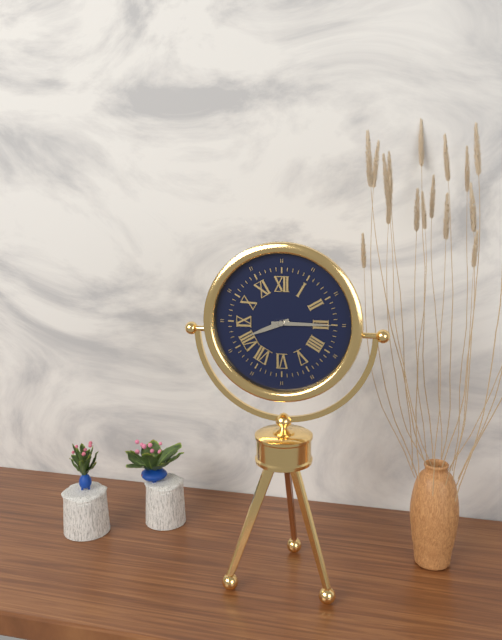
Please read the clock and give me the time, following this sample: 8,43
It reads 8,15
